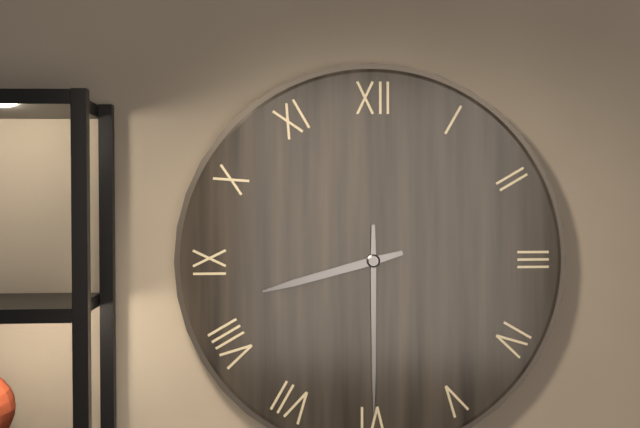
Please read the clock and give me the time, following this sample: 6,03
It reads 8,30
